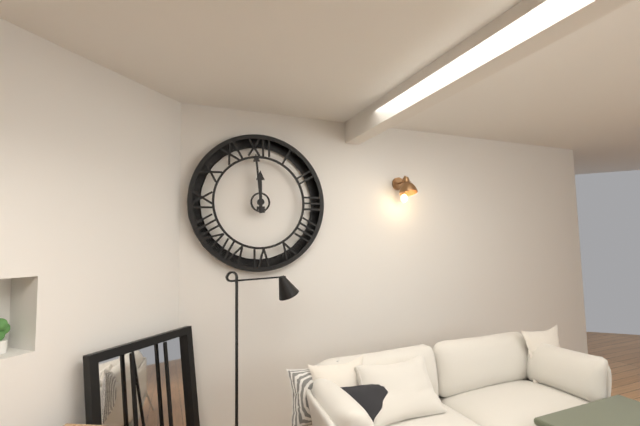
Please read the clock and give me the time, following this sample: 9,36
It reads 11,59
